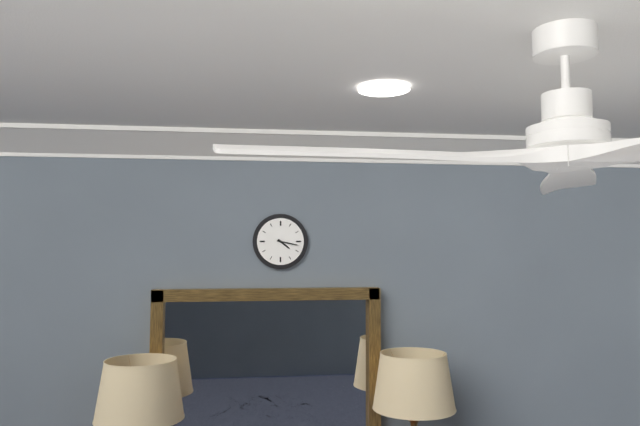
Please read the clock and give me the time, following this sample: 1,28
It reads 4,17
